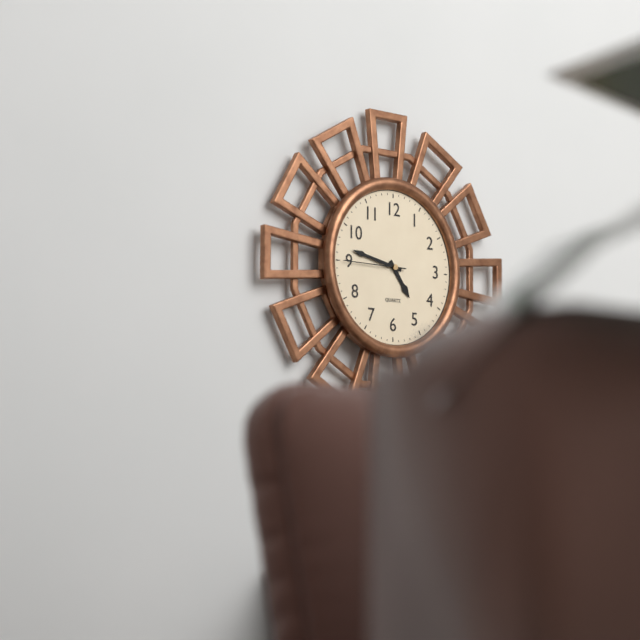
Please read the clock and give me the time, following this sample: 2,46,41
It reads 4,47,45
